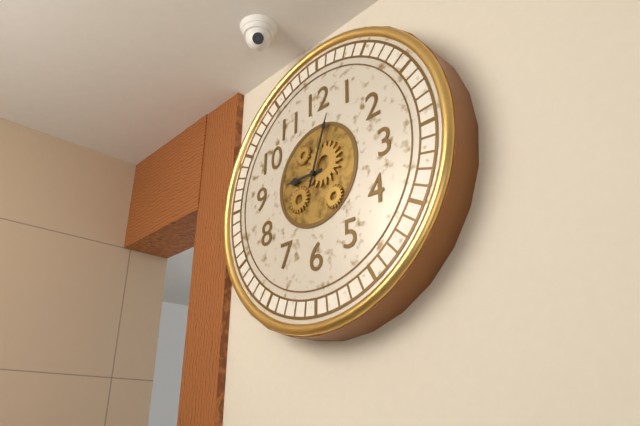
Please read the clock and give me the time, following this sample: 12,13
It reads 9,03
